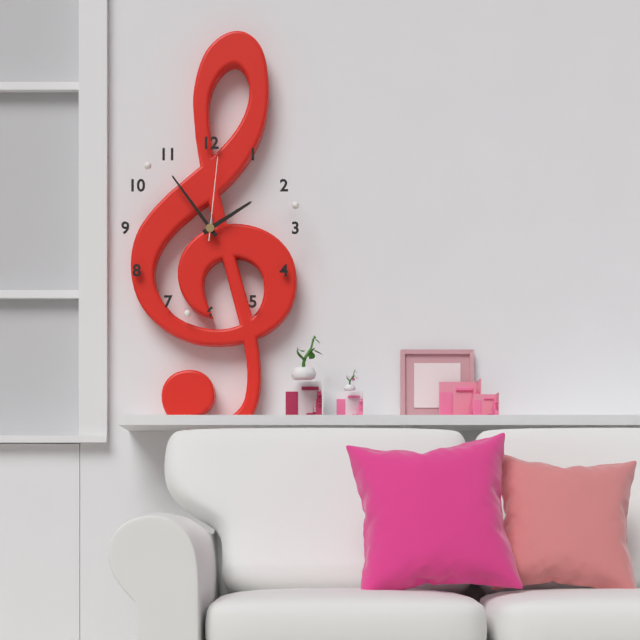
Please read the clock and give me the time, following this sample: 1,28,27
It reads 1,54,01
